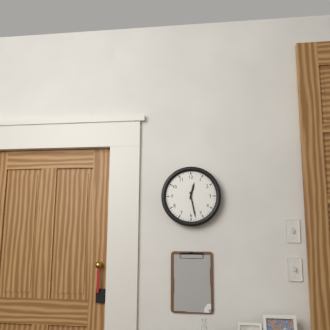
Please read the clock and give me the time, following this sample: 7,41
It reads 12,28
